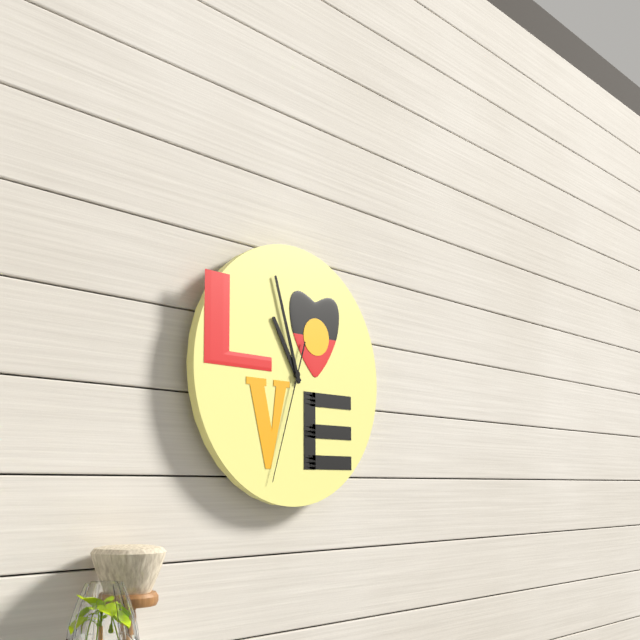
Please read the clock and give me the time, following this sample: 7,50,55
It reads 10,57,33
